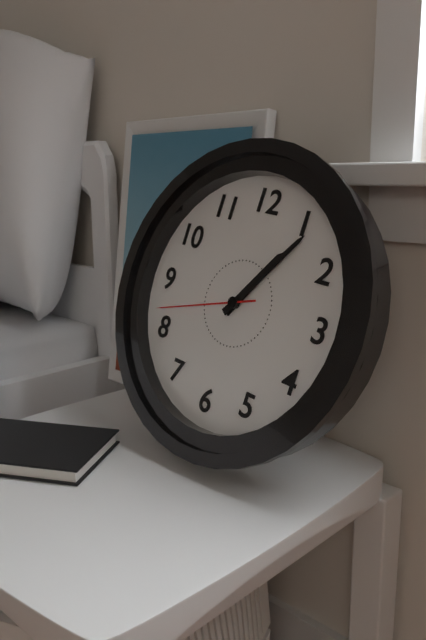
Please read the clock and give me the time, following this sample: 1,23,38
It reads 1,06,42
